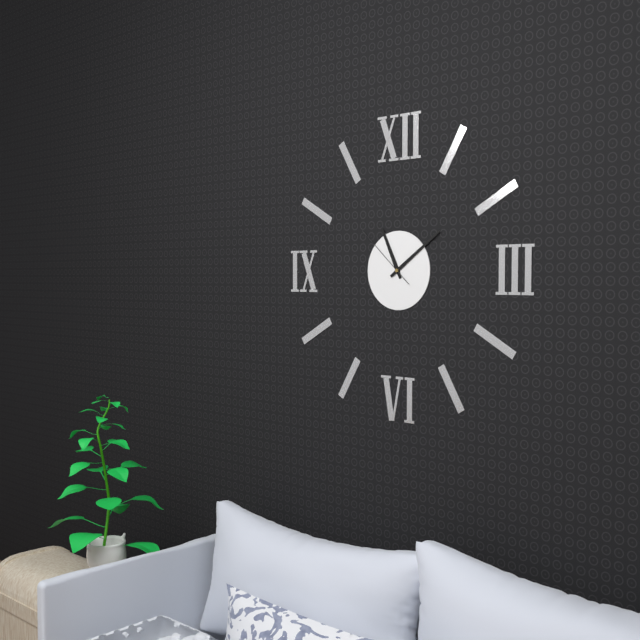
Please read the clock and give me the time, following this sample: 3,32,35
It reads 11,09,52
